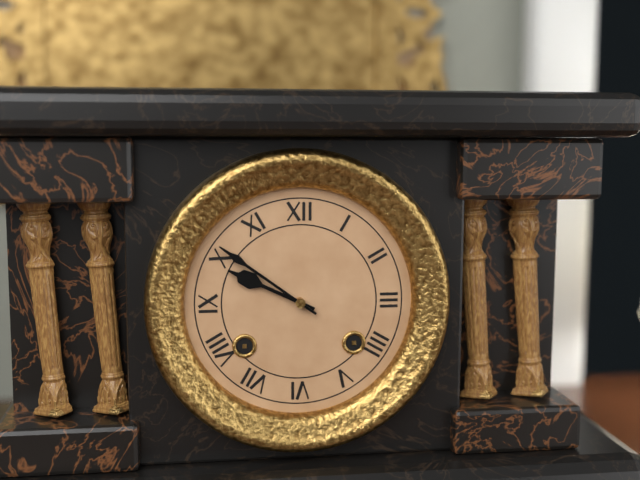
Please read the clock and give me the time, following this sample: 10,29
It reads 9,51
